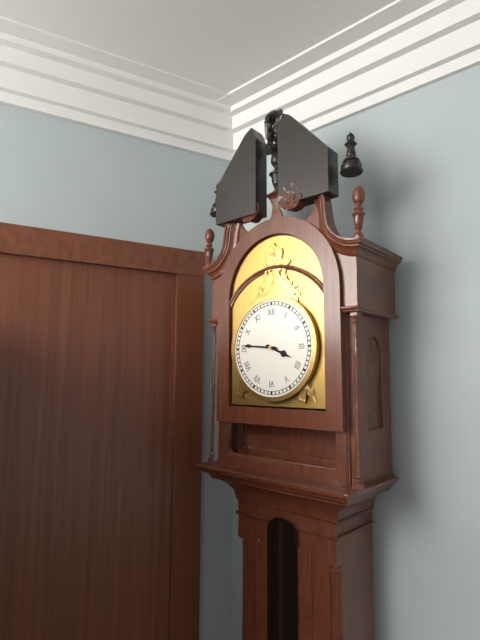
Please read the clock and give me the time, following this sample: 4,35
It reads 3,46
